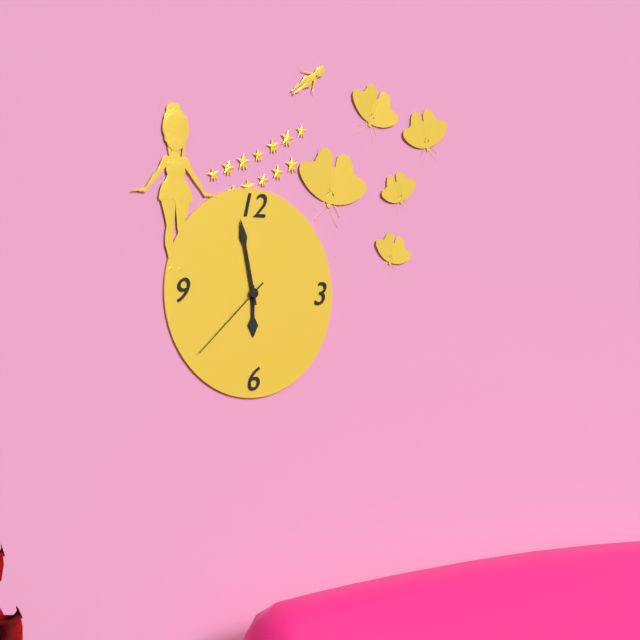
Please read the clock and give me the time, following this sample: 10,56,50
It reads 5,58,38
